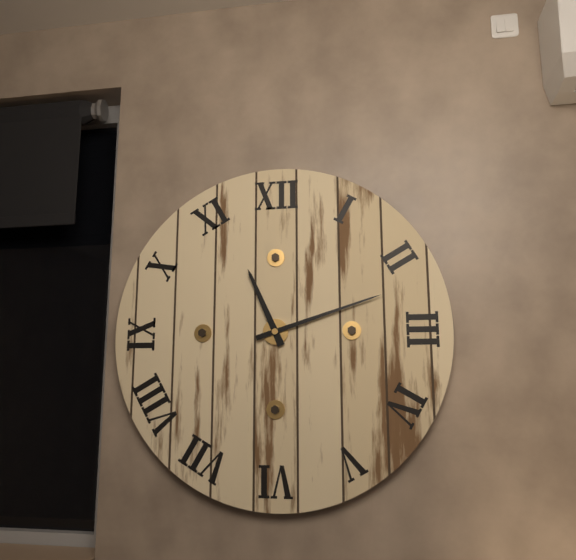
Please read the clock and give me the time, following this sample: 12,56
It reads 11,12
